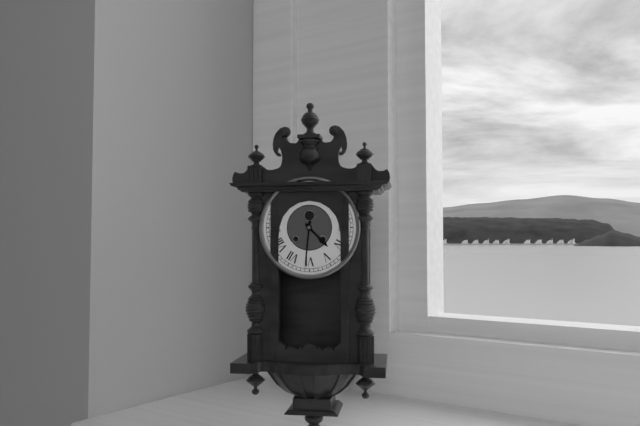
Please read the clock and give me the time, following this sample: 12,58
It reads 4,31
